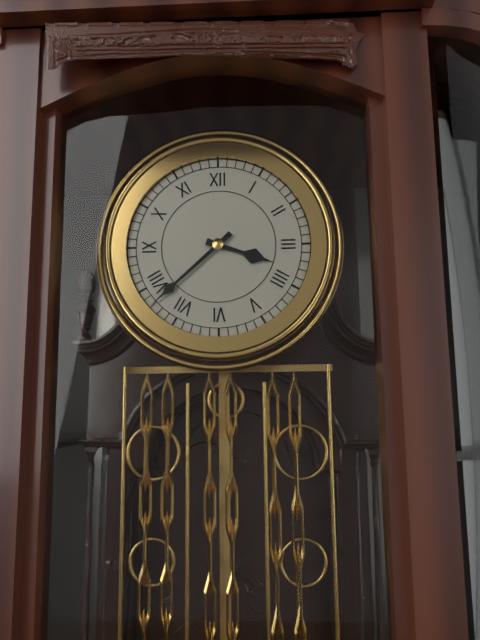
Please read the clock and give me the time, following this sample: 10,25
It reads 3,38
